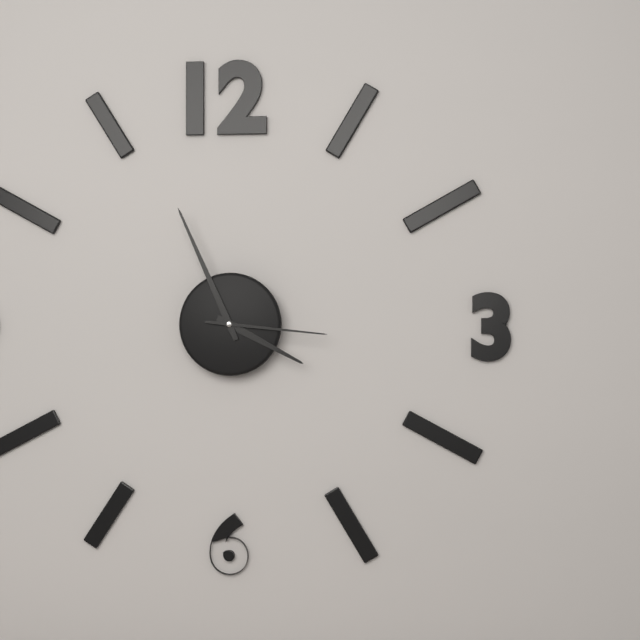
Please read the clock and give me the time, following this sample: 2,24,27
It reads 3,56,16
